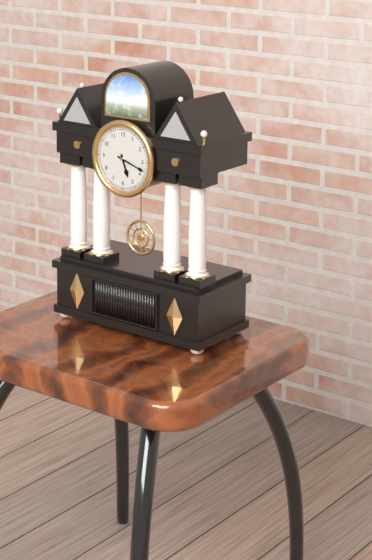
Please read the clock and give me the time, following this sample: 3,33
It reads 5,18
